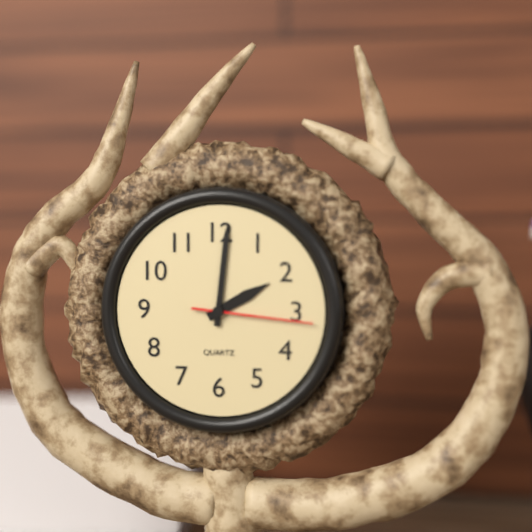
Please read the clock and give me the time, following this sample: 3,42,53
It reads 2,01,16
